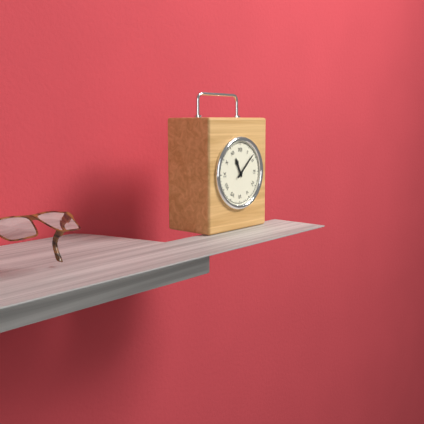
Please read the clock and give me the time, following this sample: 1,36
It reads 11,08
